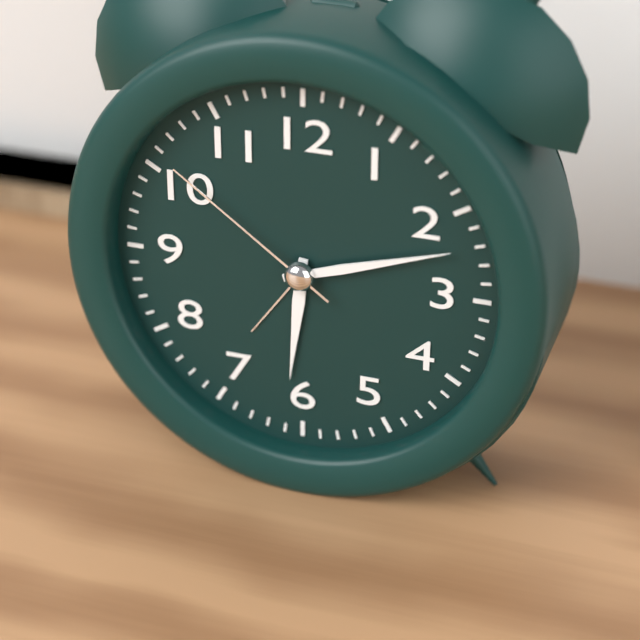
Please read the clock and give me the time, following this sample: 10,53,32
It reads 6,12,51
